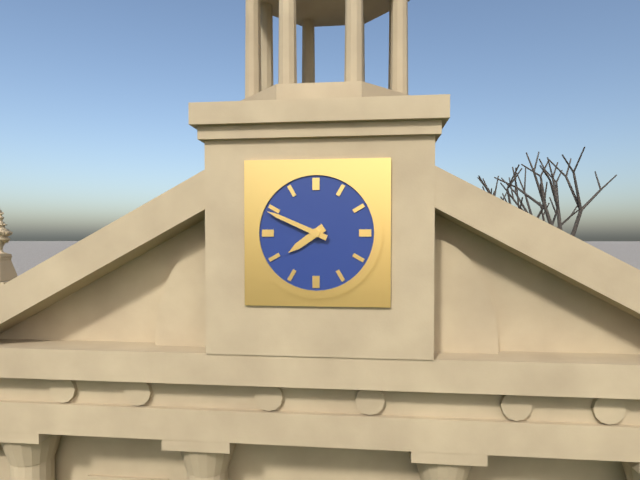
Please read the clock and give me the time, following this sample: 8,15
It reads 7,49
